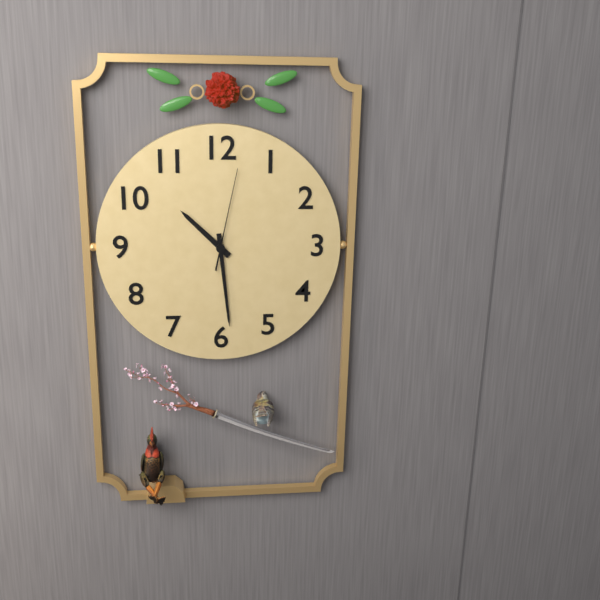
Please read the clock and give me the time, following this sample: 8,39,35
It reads 10,29,02
